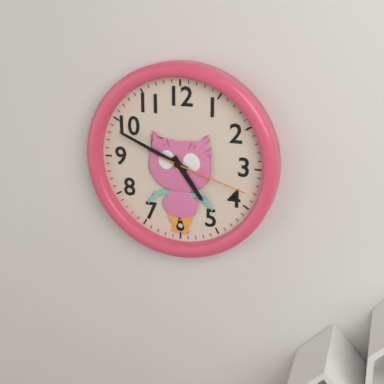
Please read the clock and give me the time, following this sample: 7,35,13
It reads 4,49,18
